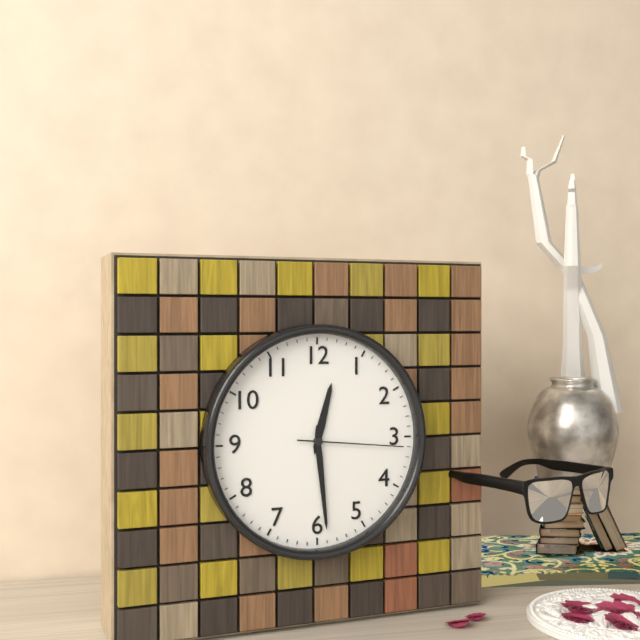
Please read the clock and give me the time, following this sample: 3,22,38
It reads 12,29,16
